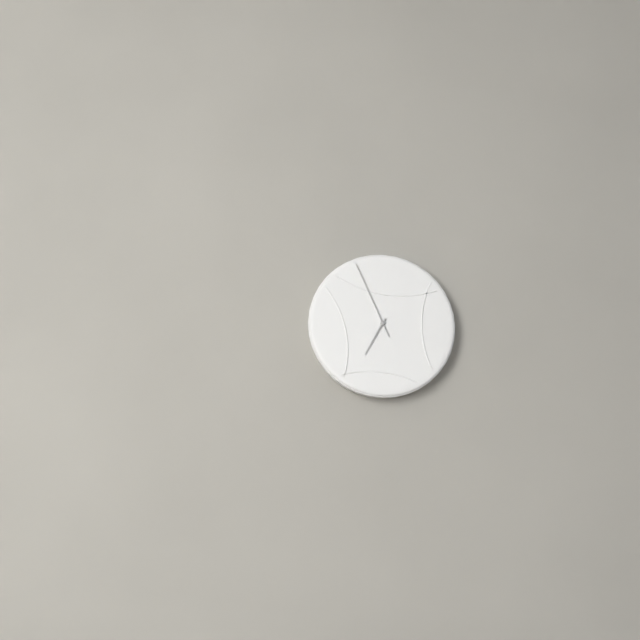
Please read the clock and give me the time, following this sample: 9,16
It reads 6,56
